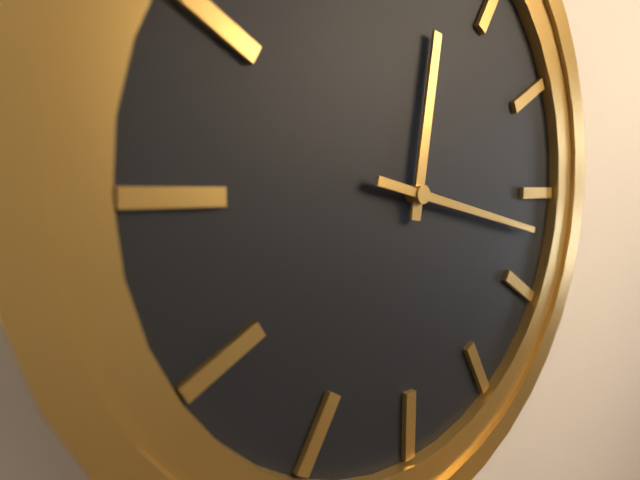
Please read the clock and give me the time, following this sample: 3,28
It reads 12,17
